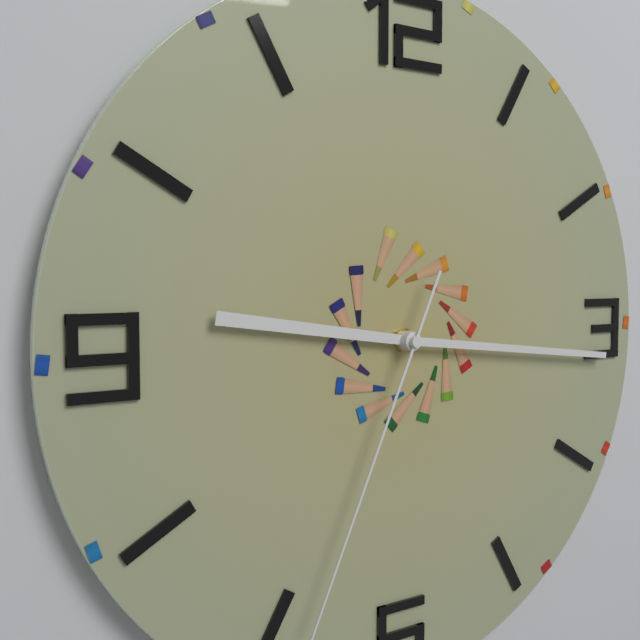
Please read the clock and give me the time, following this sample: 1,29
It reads 9,16
